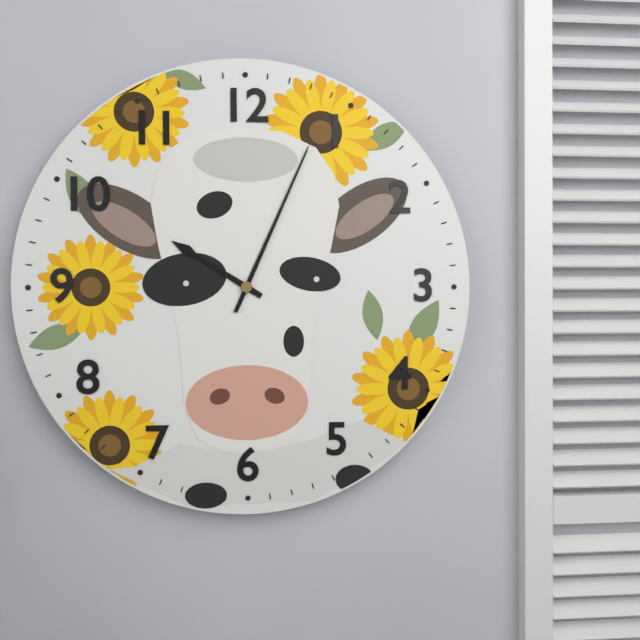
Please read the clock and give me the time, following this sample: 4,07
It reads 10,04
